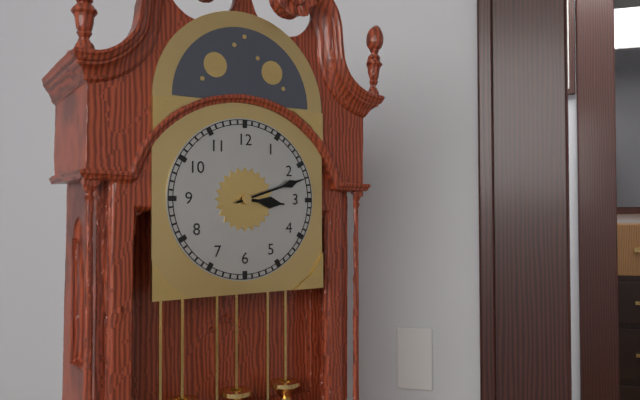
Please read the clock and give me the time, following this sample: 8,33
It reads 3,12
